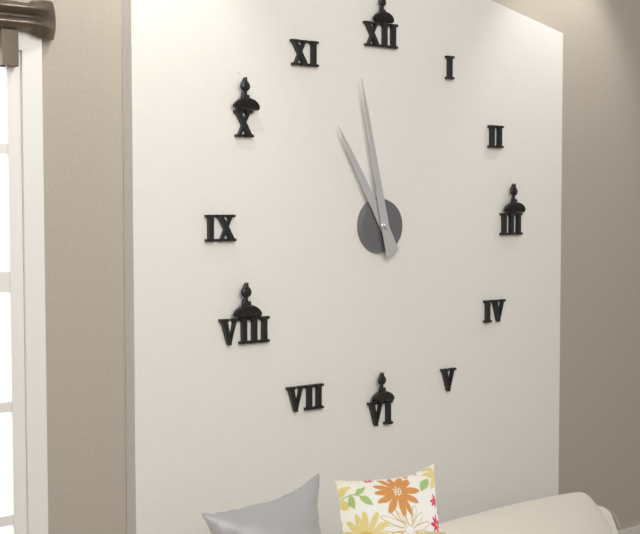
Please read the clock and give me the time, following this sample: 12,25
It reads 10,58
